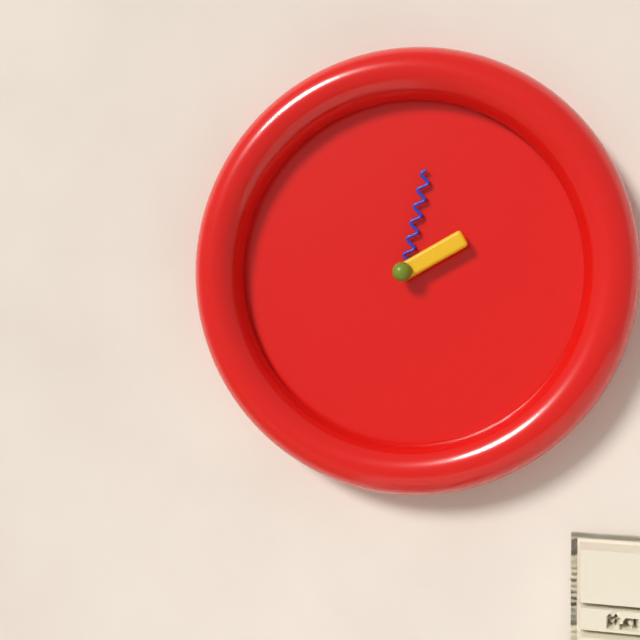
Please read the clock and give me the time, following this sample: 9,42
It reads 2,02
